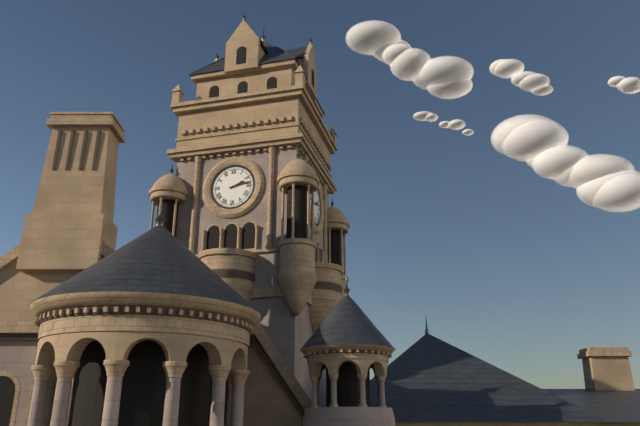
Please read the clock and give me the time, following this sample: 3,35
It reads 2,13
